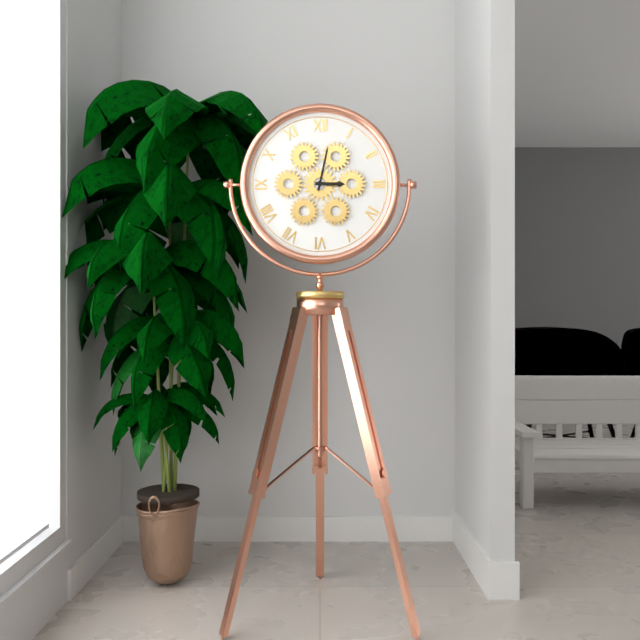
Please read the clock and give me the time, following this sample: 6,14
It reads 3,02
